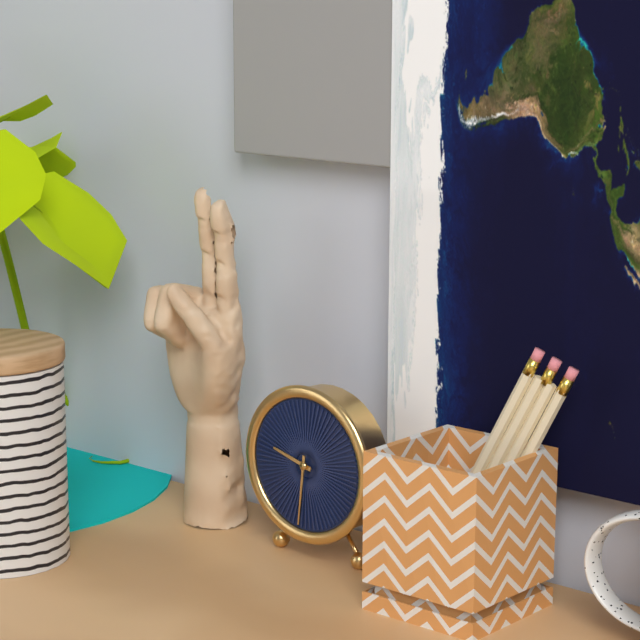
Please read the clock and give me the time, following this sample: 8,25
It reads 9,31
